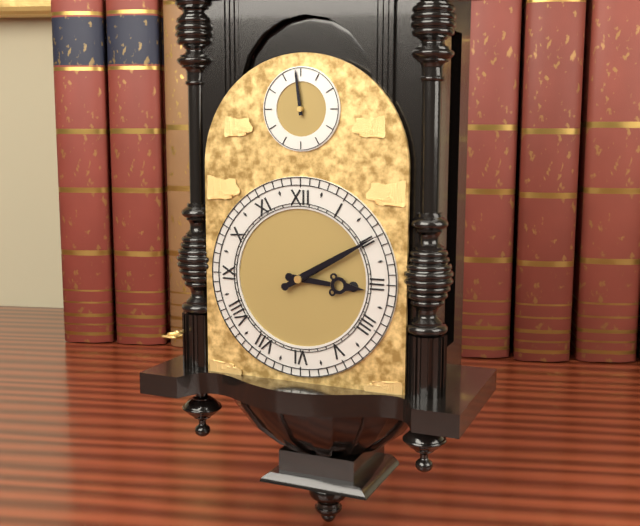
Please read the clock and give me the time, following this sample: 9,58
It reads 3,10
